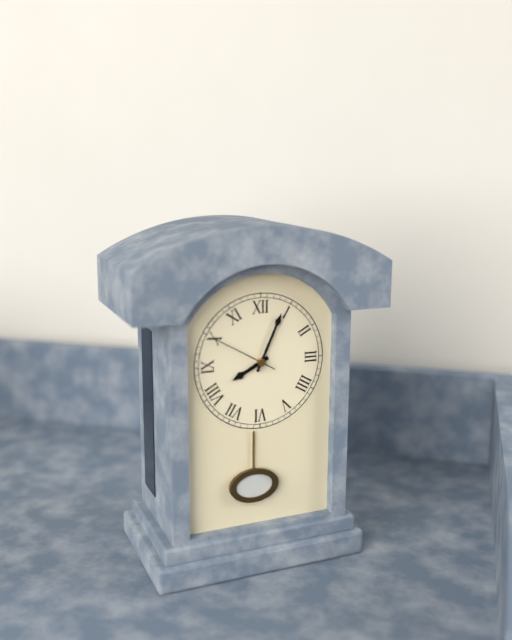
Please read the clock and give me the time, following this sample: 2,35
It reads 8,04
